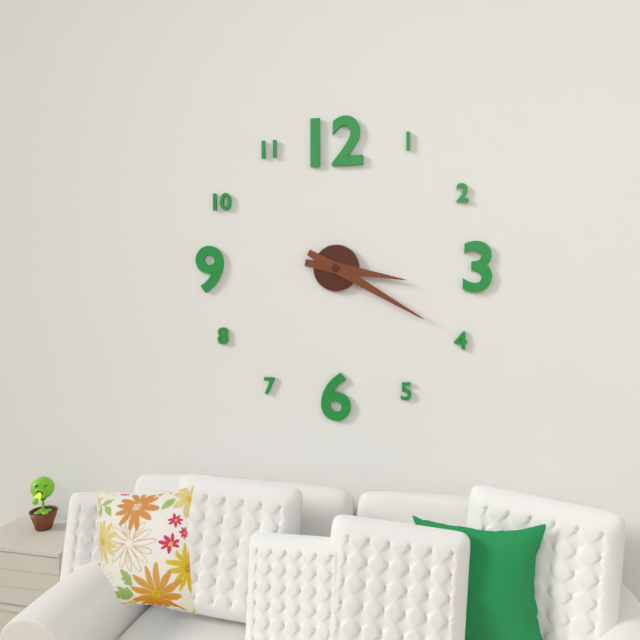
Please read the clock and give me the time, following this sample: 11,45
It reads 3,20
